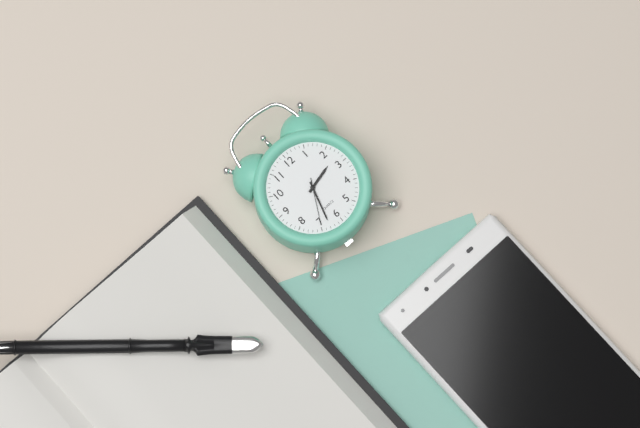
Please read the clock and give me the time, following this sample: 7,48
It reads 2,33
